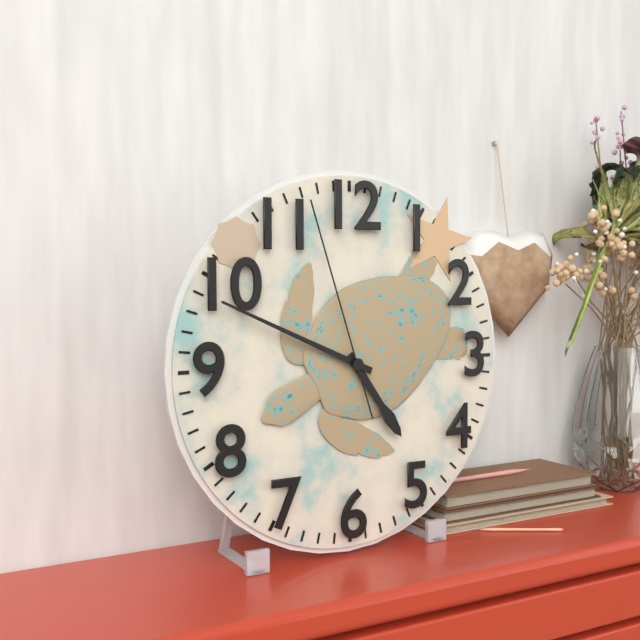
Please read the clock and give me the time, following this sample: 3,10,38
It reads 4,49,57
